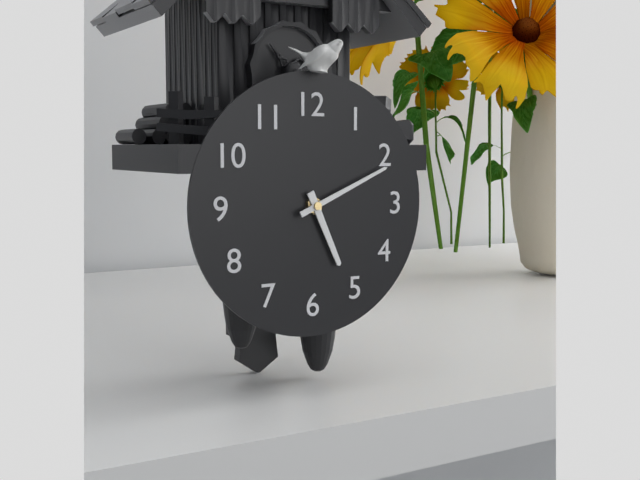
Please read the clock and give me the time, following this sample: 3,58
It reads 5,11
